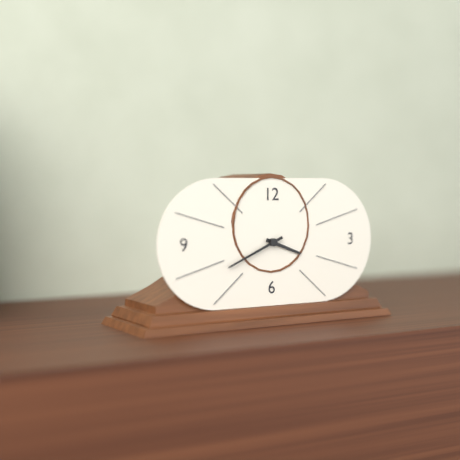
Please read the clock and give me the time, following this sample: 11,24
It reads 3,41
